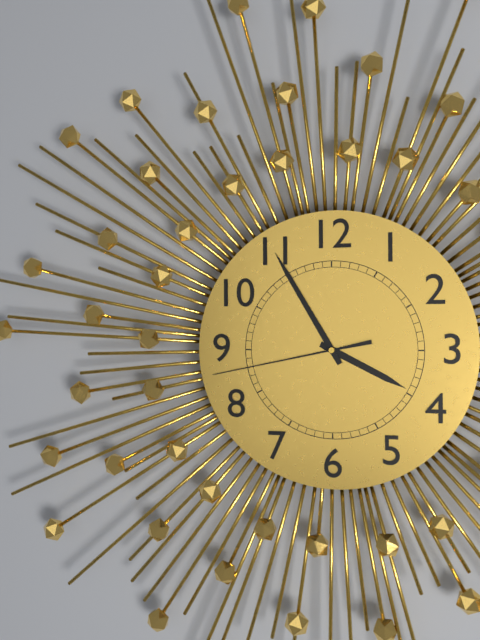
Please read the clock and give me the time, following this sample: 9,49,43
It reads 3,55,43
